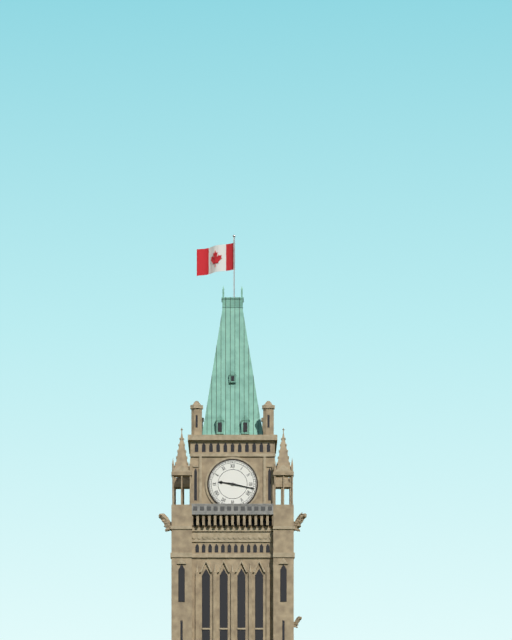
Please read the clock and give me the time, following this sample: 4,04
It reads 9,17
